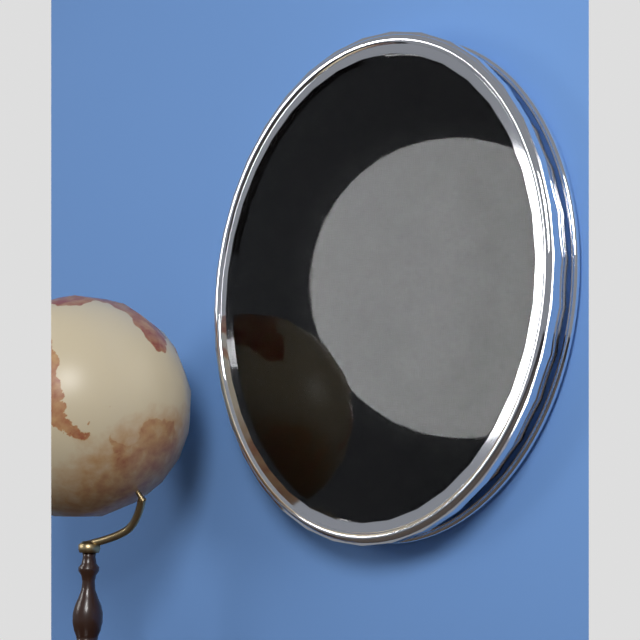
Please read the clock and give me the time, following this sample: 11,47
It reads 6,38
